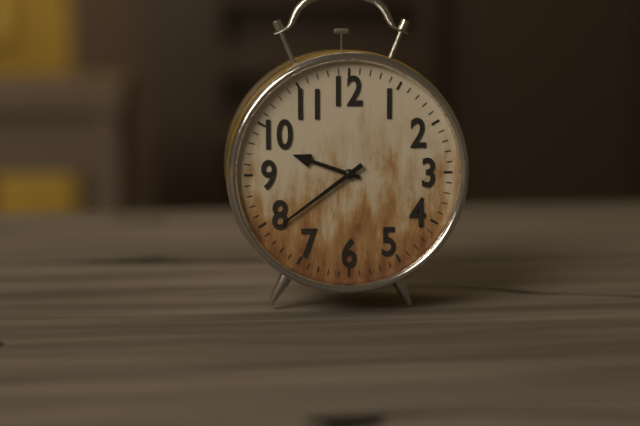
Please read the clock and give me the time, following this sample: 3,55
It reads 9,39
